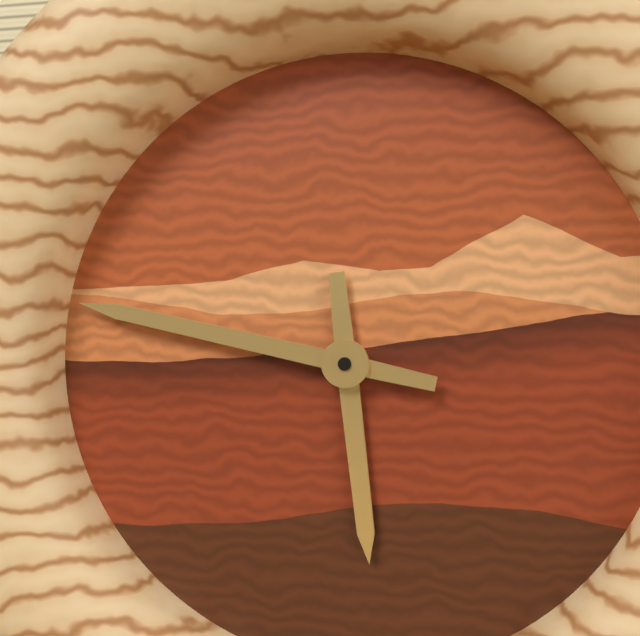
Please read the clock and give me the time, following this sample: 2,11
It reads 5,47
